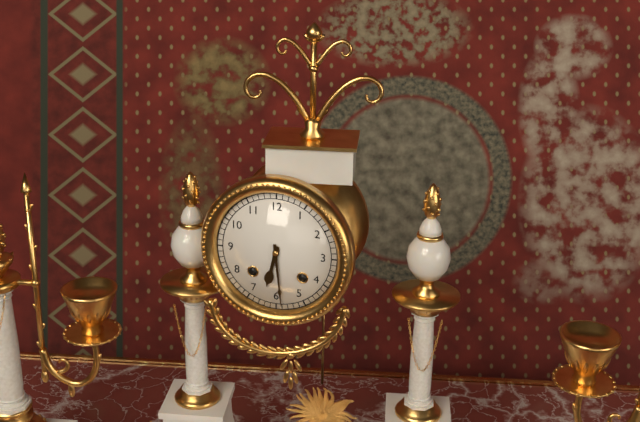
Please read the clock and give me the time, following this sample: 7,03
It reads 6,29
